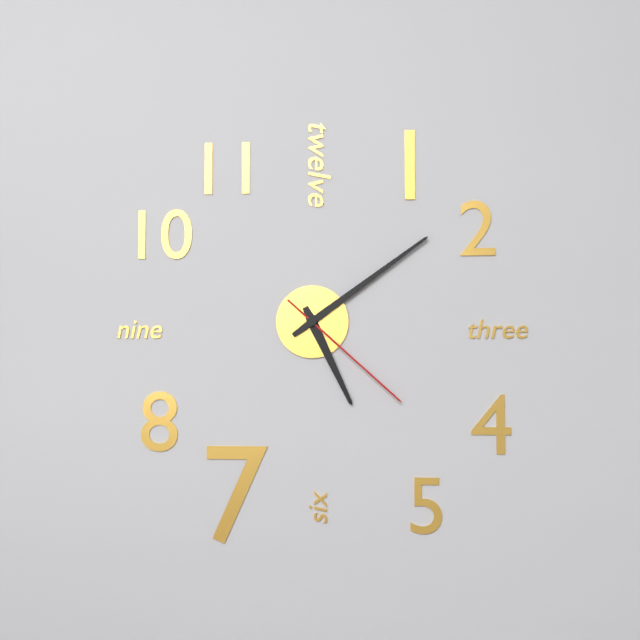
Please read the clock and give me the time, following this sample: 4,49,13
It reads 5,09,22
